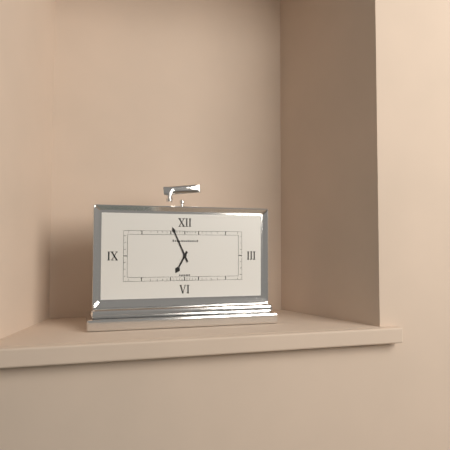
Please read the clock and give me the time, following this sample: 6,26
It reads 6,56
